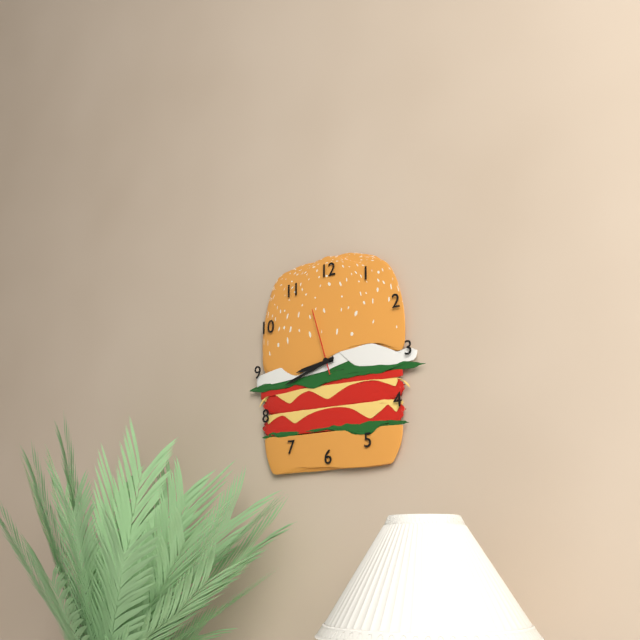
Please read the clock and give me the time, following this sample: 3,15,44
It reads 8,42,57
